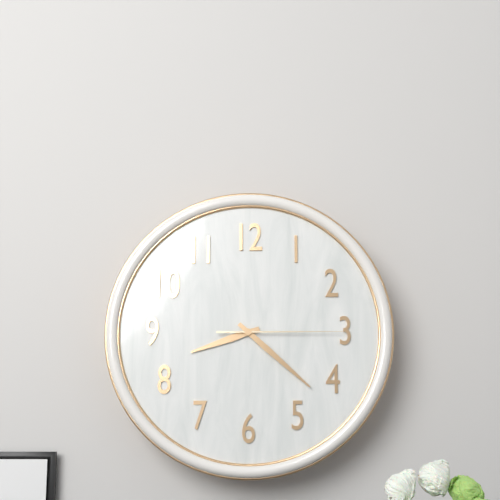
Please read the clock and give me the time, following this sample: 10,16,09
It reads 8,22,15
